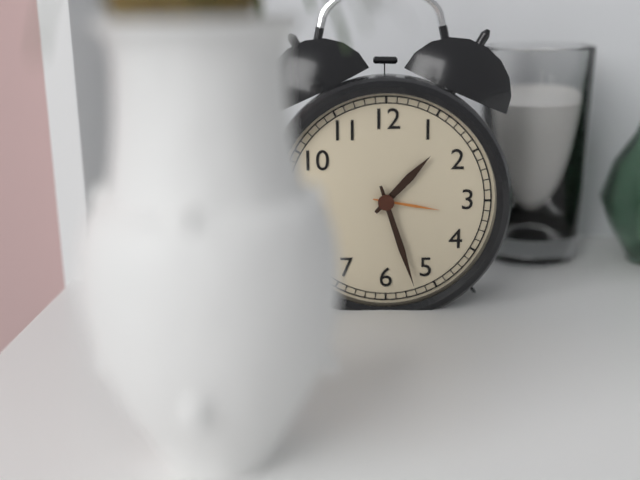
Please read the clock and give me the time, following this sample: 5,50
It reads 1,27
